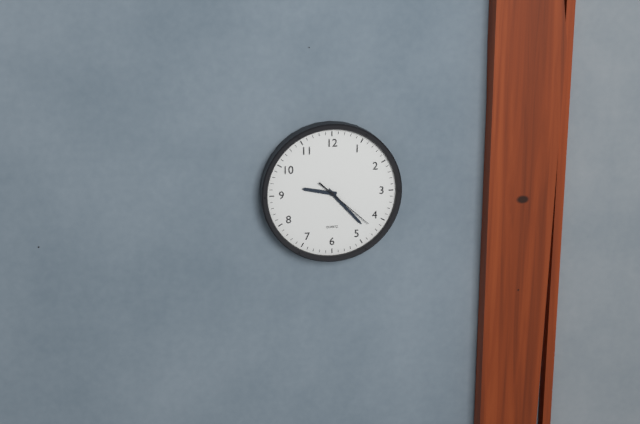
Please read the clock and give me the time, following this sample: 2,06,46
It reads 9,23,22
